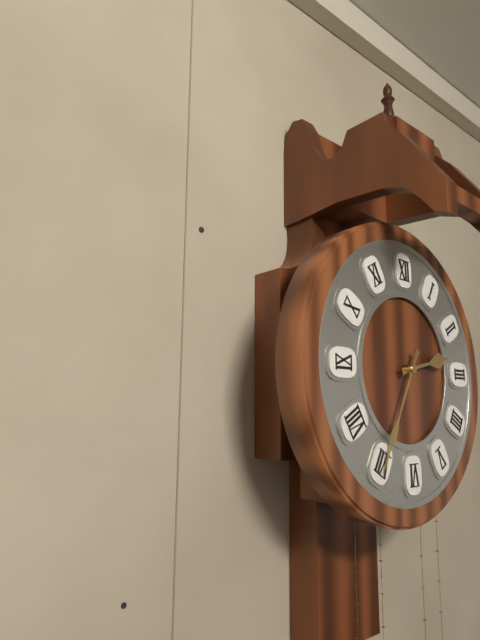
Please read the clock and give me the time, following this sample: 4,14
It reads 2,35
